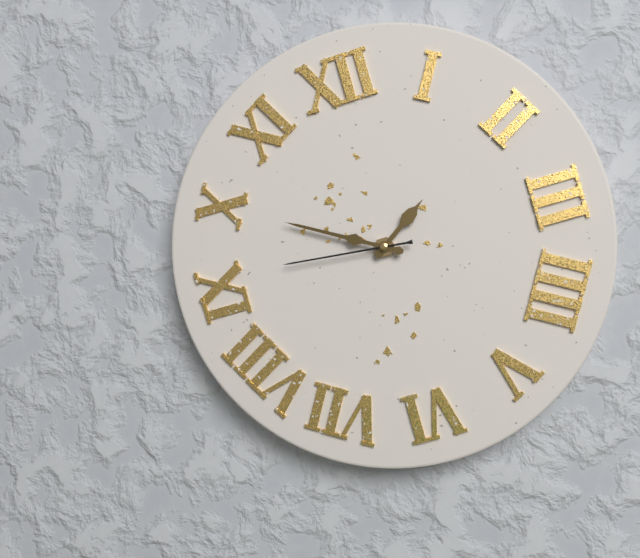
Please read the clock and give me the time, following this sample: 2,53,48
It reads 1,50,46
